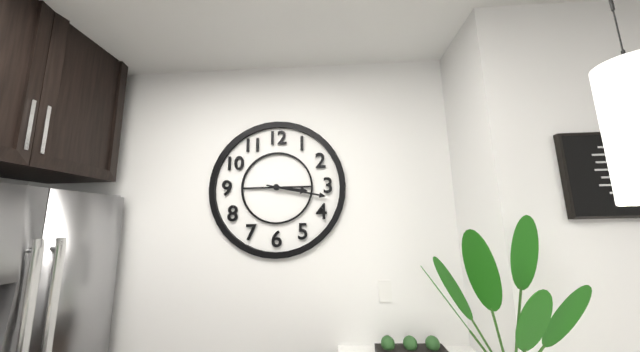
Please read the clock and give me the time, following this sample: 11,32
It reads 3,17
